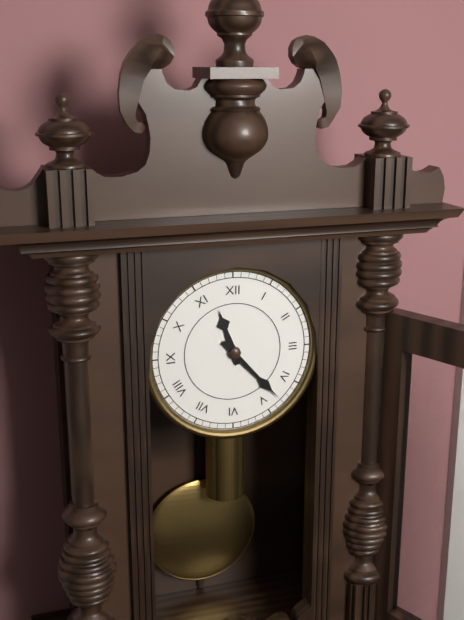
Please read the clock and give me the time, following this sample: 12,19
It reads 11,23
